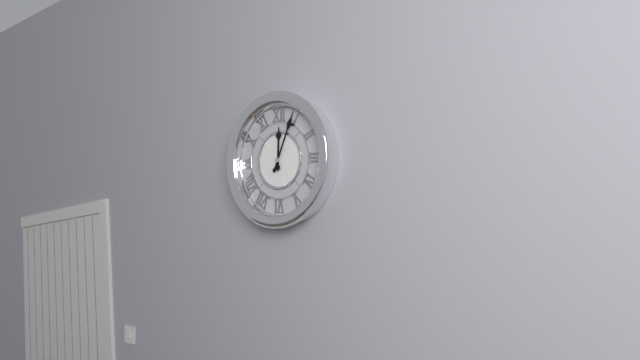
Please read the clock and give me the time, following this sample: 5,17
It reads 12,04
